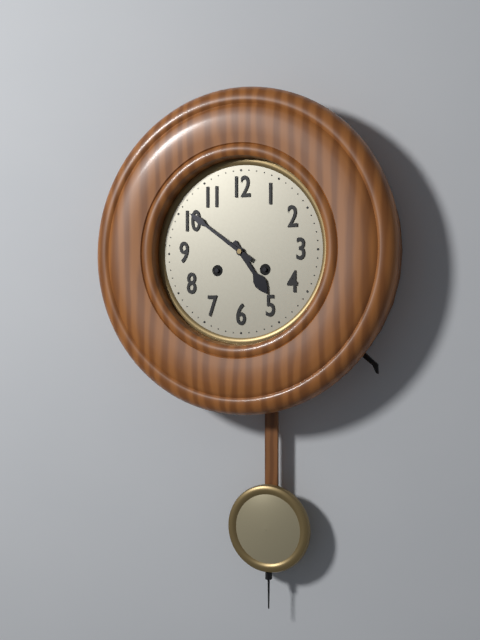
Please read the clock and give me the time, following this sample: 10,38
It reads 4,51
